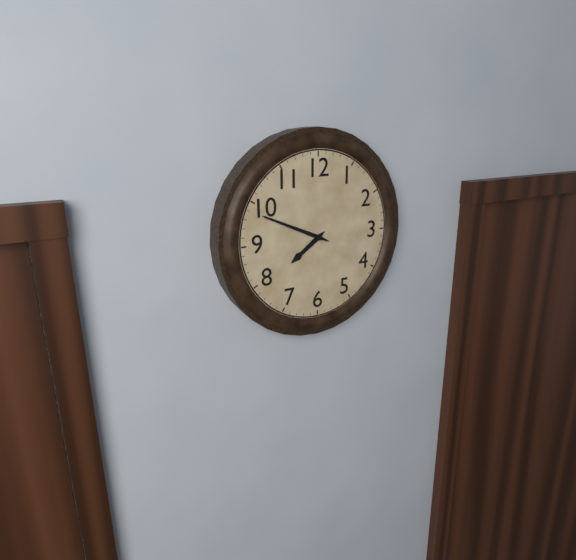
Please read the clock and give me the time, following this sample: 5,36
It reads 7,49
